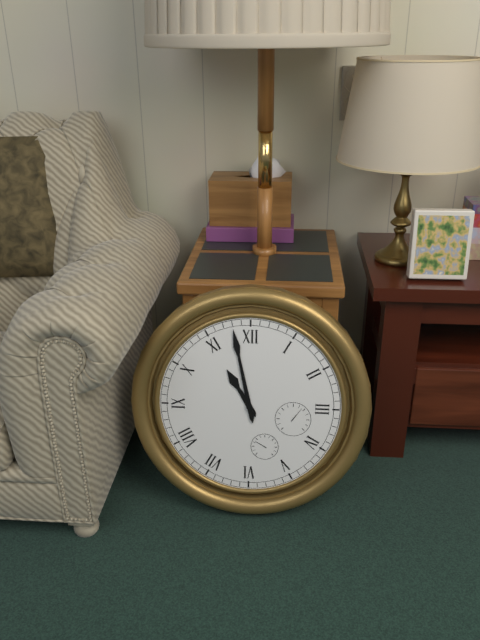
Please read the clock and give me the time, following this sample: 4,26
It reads 10,58
